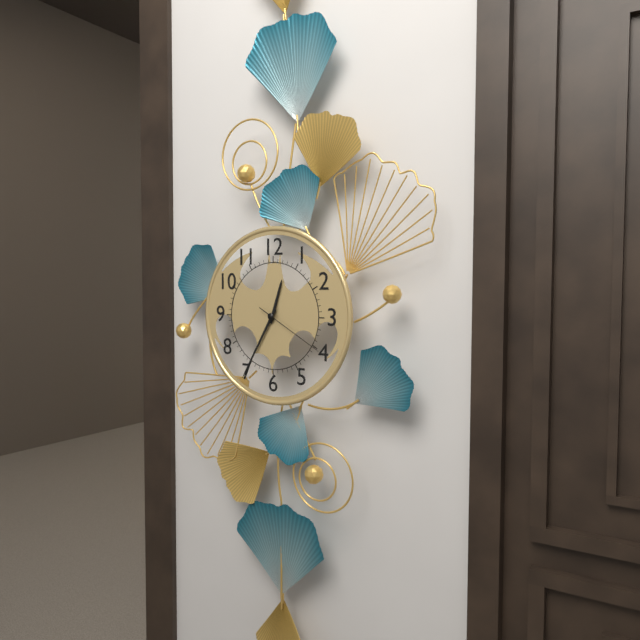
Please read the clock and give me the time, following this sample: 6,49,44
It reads 12,35,20
